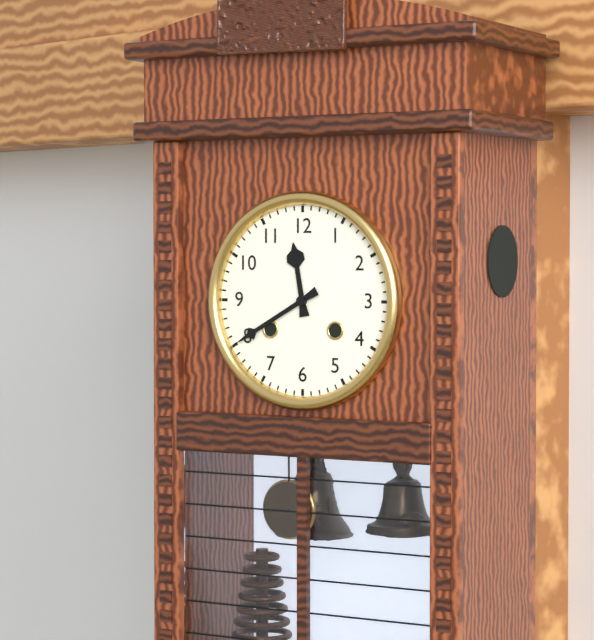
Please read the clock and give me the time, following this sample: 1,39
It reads 11,40
